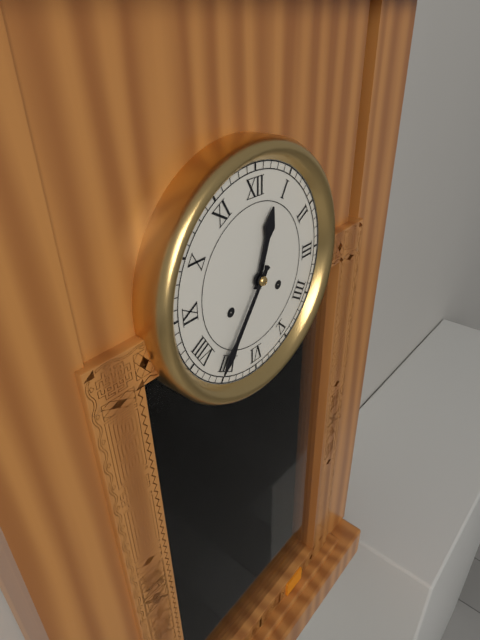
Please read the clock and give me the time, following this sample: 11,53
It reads 12,36
